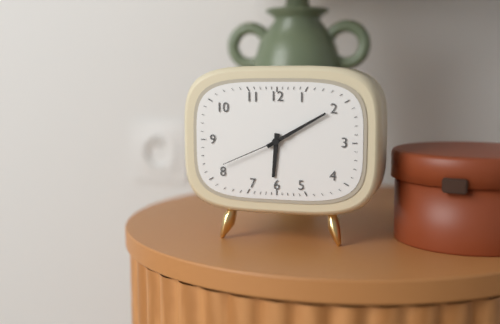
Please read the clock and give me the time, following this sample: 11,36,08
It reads 6,10,41
